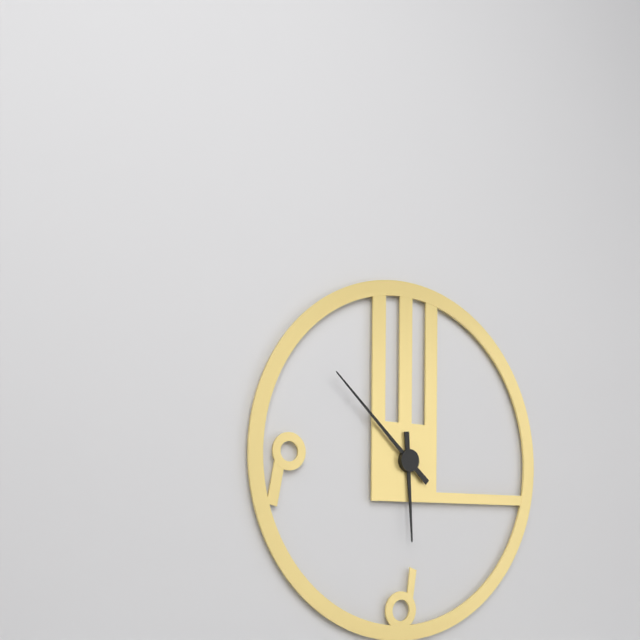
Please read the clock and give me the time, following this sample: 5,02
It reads 5,52
